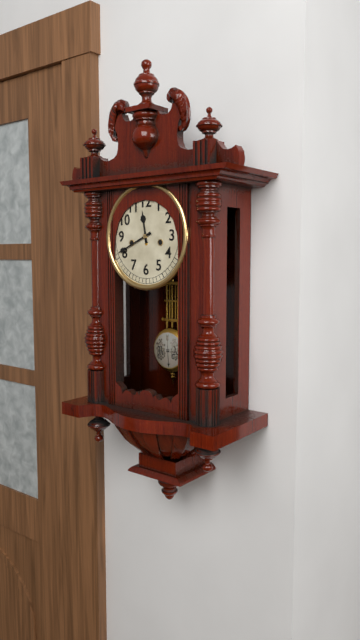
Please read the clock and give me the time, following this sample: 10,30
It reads 11,41
